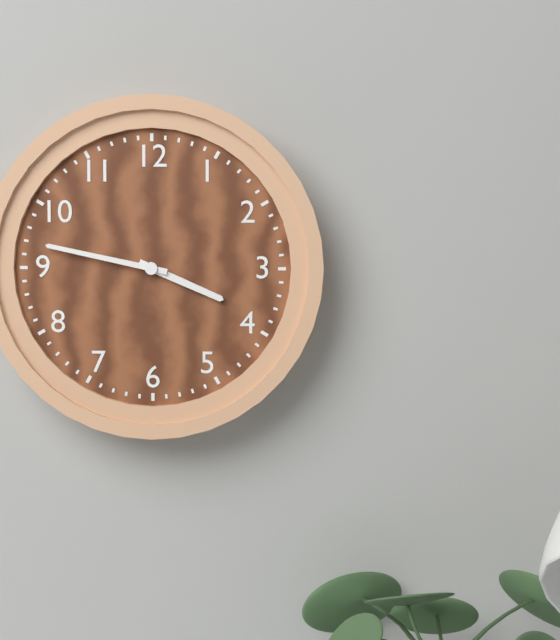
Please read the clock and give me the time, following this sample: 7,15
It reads 3,47
